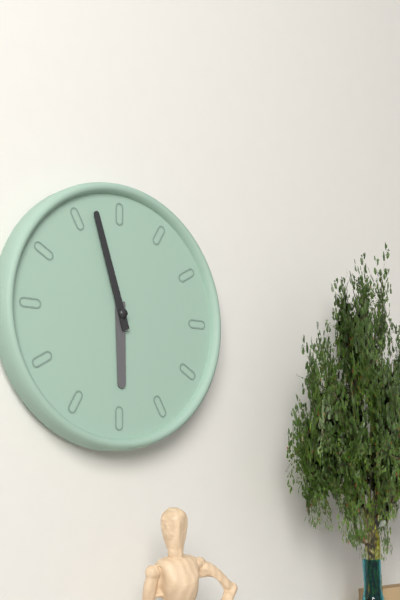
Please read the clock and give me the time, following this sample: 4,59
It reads 5,57
